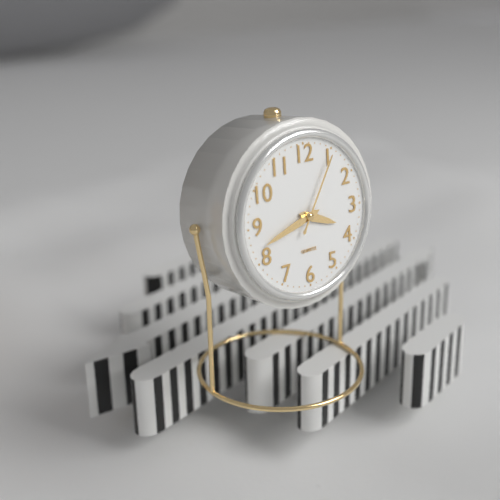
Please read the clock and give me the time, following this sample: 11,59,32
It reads 3,42,05
